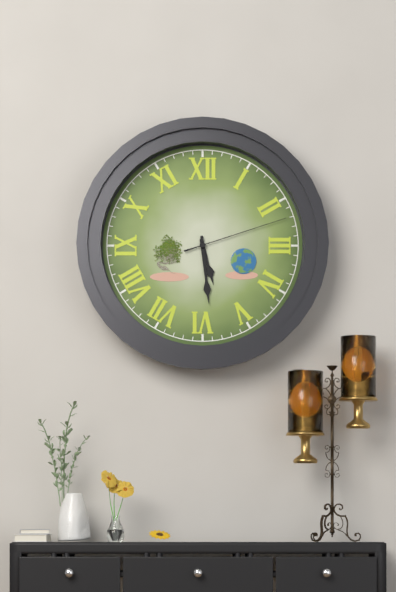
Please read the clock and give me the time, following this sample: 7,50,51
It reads 5,29,12
